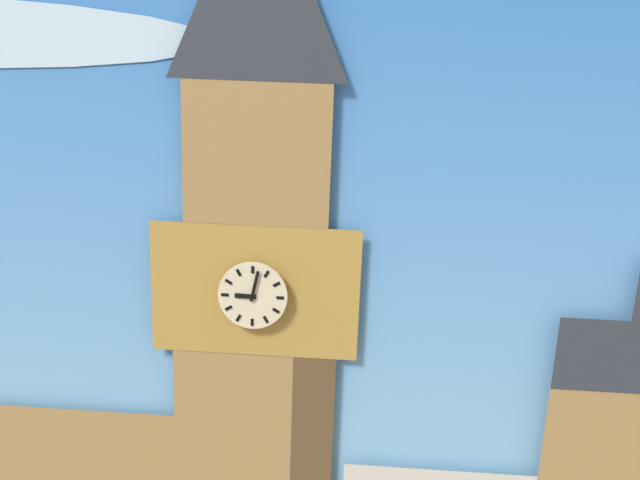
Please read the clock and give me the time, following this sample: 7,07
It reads 9,02
